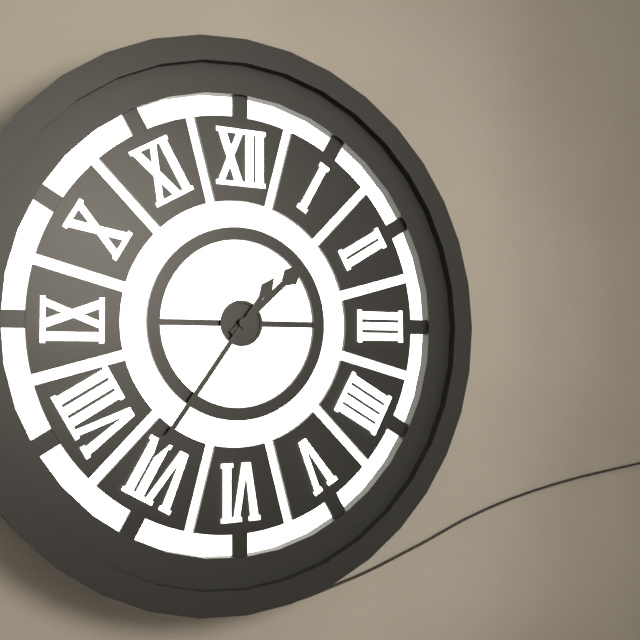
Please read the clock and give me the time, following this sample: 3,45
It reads 1,36
